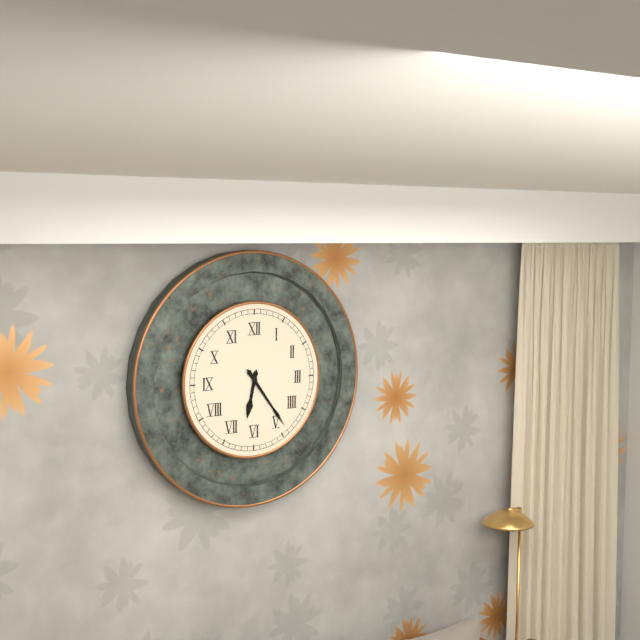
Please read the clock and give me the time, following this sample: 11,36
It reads 6,24
